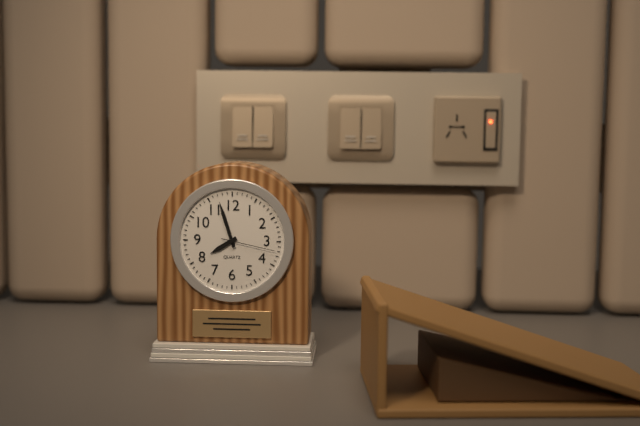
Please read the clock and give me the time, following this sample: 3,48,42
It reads 7,57,17
